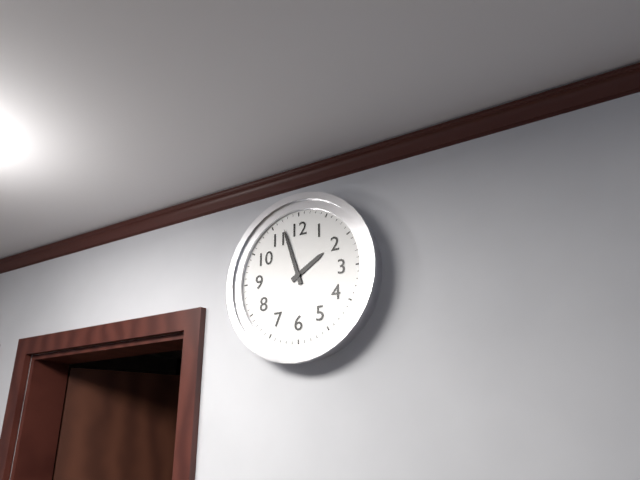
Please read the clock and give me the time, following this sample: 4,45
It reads 1,57
